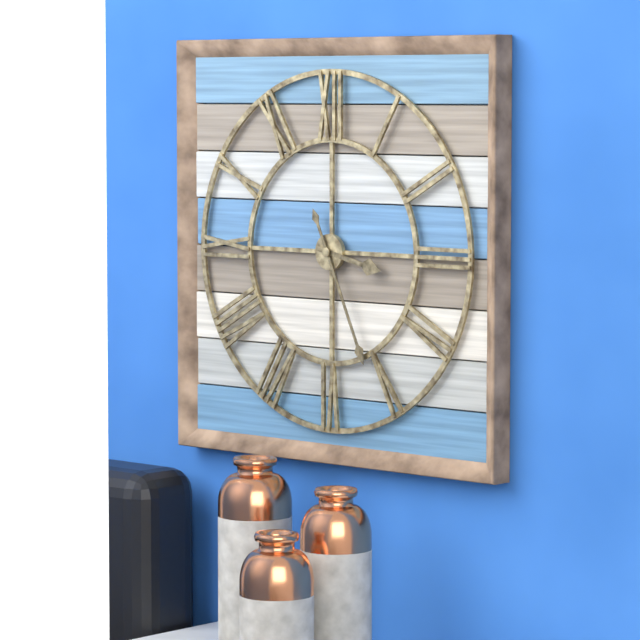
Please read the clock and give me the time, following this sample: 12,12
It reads 3,26
